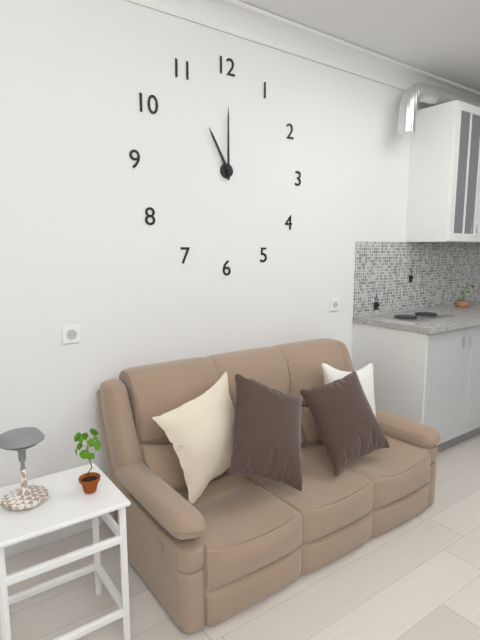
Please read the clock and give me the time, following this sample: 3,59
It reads 11,00
